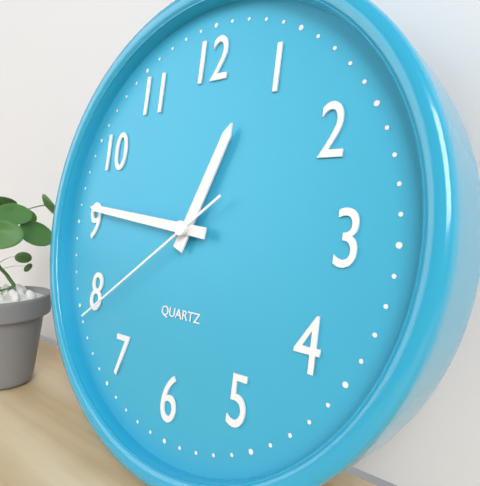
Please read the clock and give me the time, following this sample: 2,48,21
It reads 12,46,39
